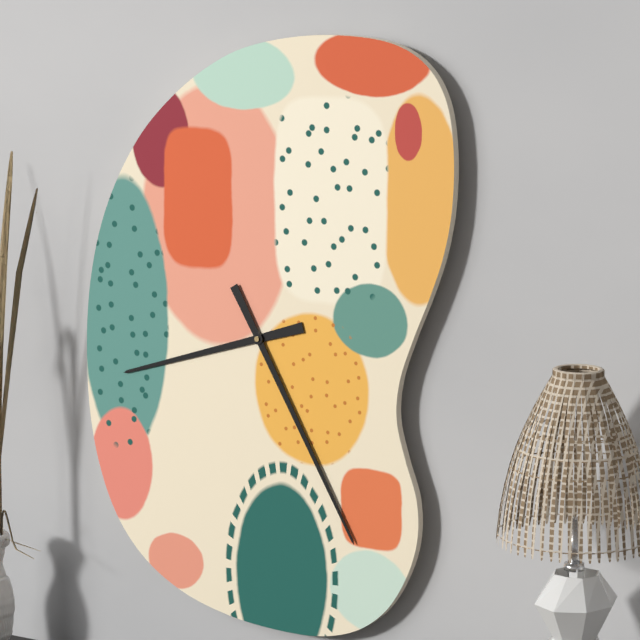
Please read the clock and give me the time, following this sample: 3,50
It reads 8,25
